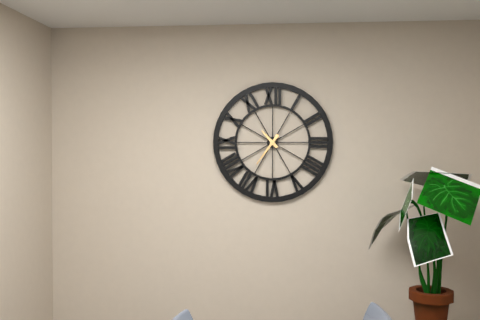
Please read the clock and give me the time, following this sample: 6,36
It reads 10,36
